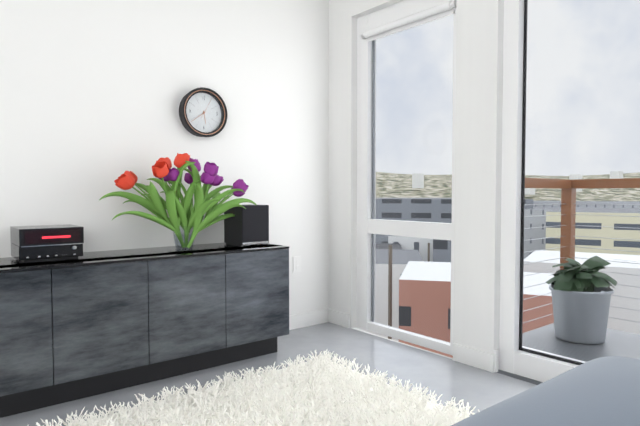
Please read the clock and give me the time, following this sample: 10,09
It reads 5,39
